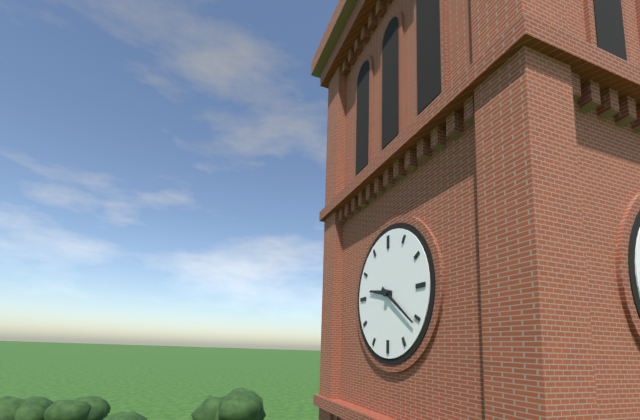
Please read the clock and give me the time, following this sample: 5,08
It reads 9,21
